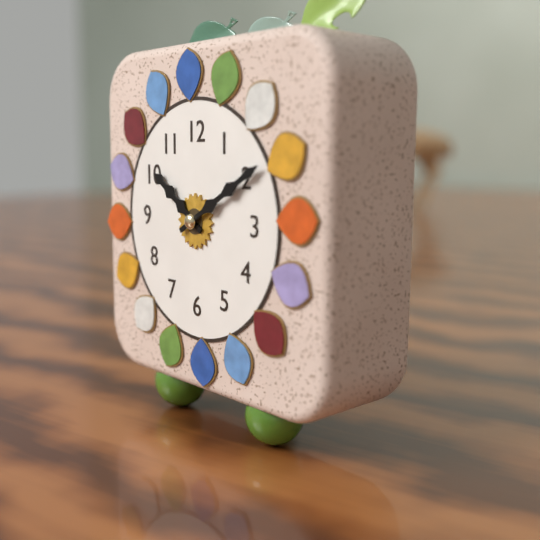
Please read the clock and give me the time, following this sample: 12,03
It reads 10,10
